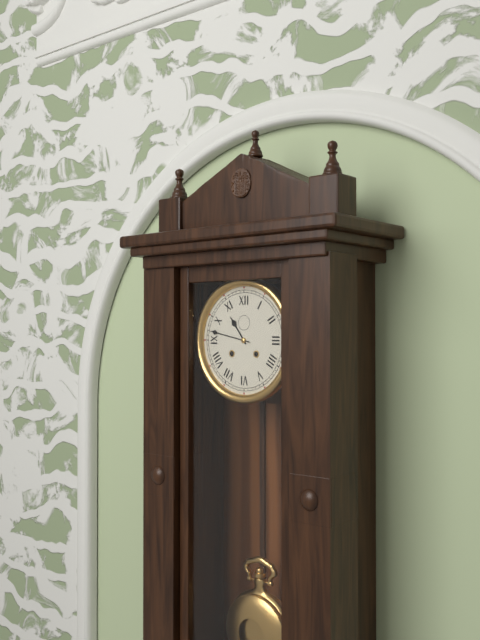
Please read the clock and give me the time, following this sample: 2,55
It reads 10,47
